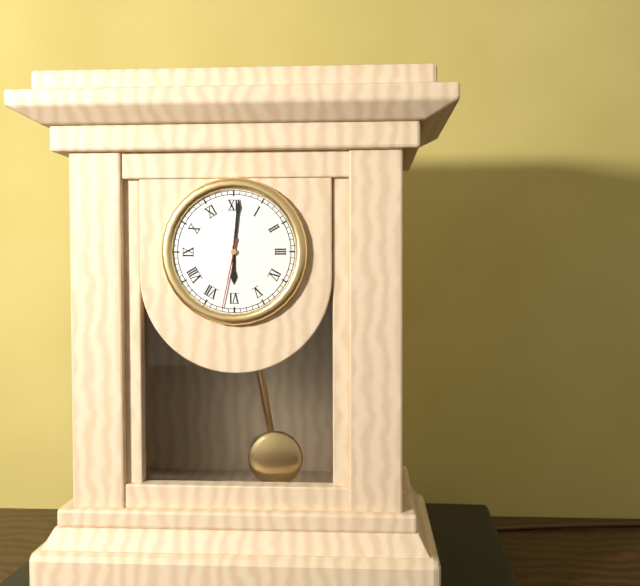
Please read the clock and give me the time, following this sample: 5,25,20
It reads 6,01,32
